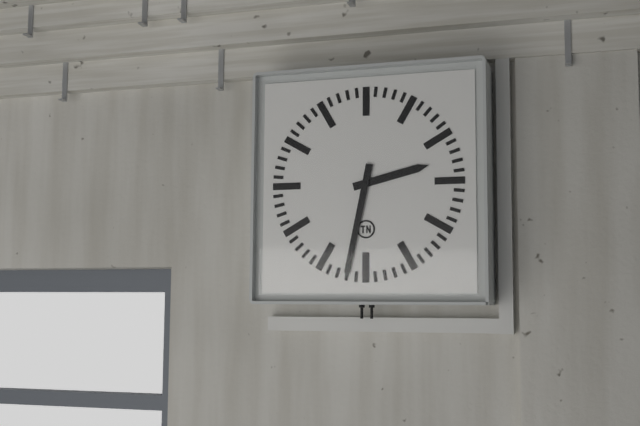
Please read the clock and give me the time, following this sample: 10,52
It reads 2,32
